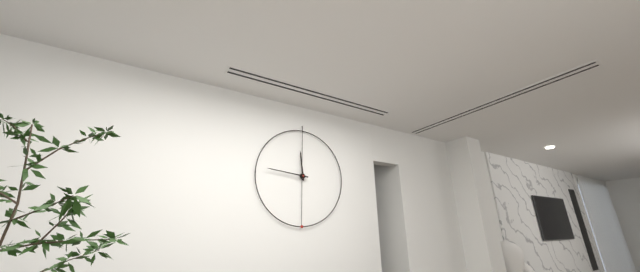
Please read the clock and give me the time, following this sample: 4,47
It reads 11,46
